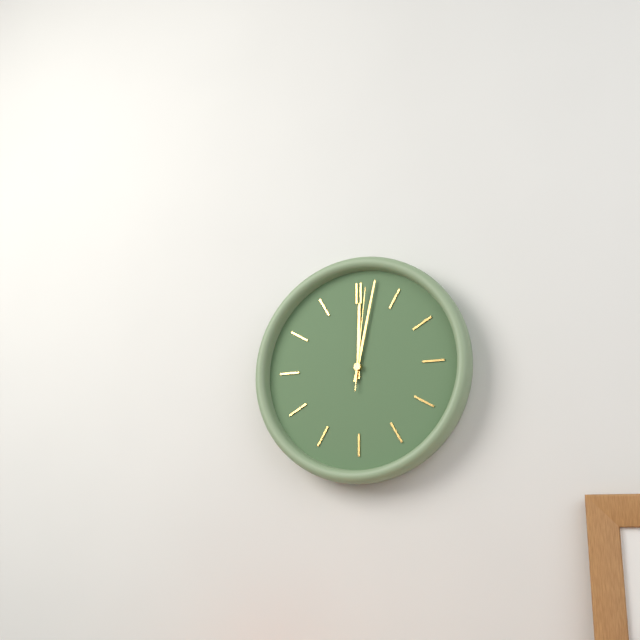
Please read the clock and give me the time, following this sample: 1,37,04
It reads 12,02,01
